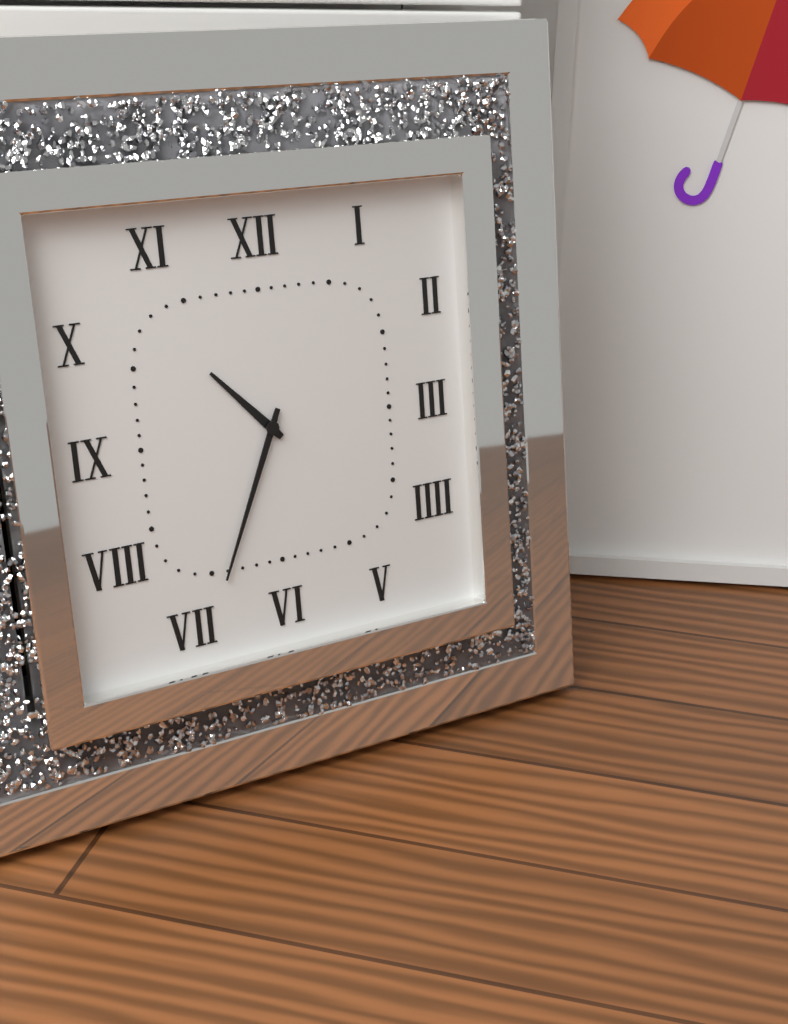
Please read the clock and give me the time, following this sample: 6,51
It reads 10,34
